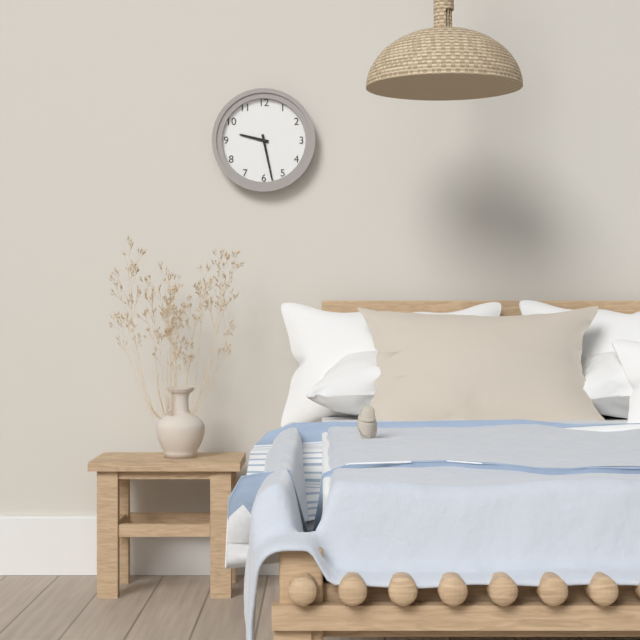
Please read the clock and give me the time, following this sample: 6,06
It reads 9,28
